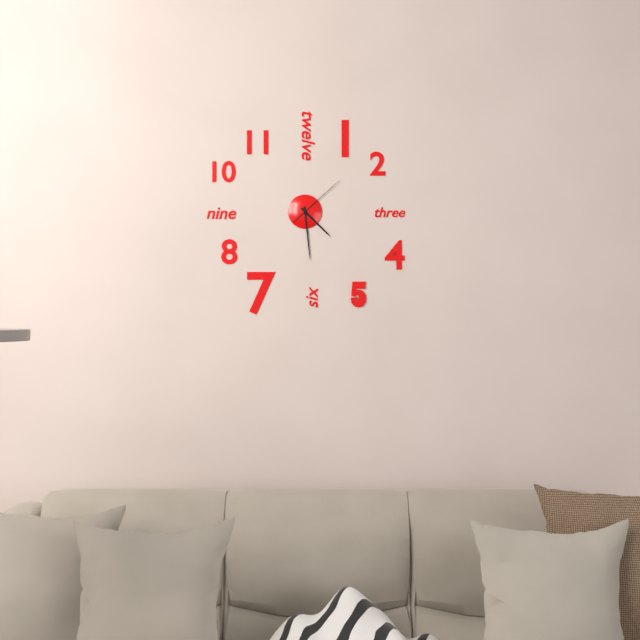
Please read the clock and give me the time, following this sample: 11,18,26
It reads 4,29,08
